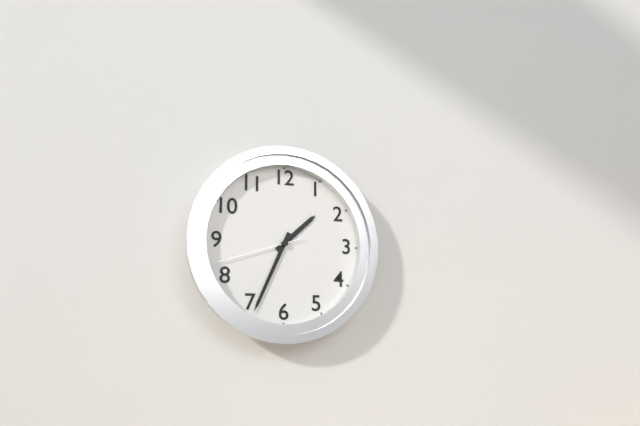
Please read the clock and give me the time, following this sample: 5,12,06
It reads 1,34,42
